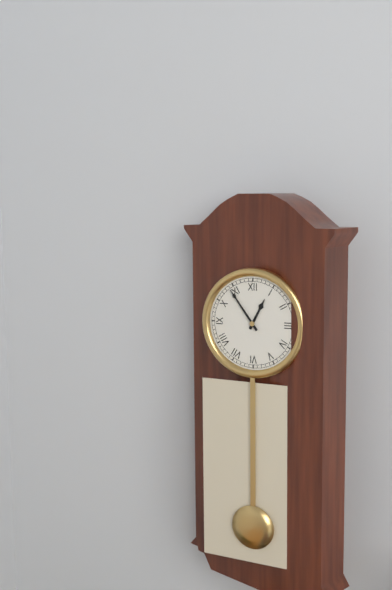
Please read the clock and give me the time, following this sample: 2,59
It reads 12,54
